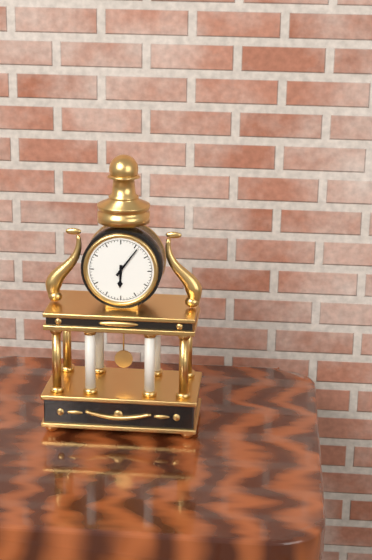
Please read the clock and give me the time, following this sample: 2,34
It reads 6,06
